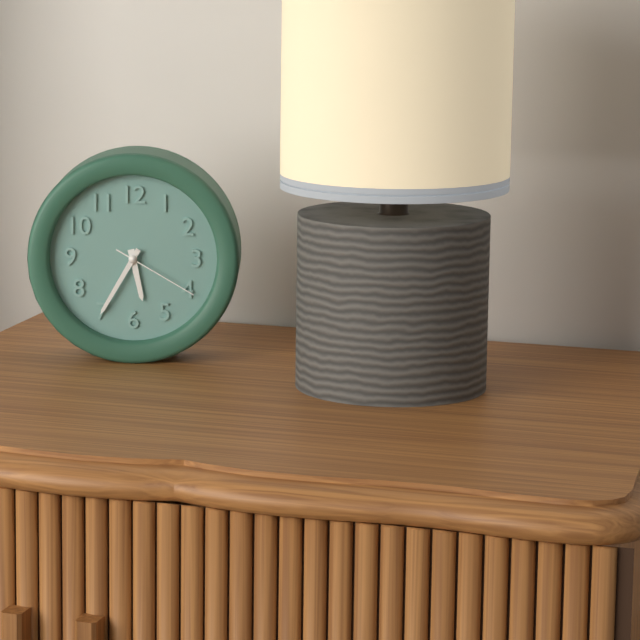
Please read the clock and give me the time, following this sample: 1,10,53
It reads 5,35,20
